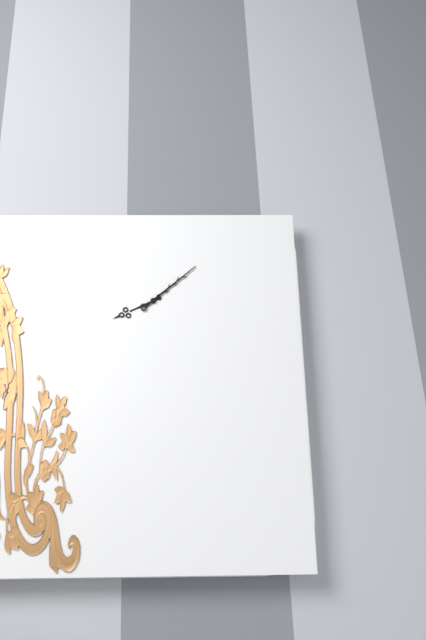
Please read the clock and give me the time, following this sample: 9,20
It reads 8,08
